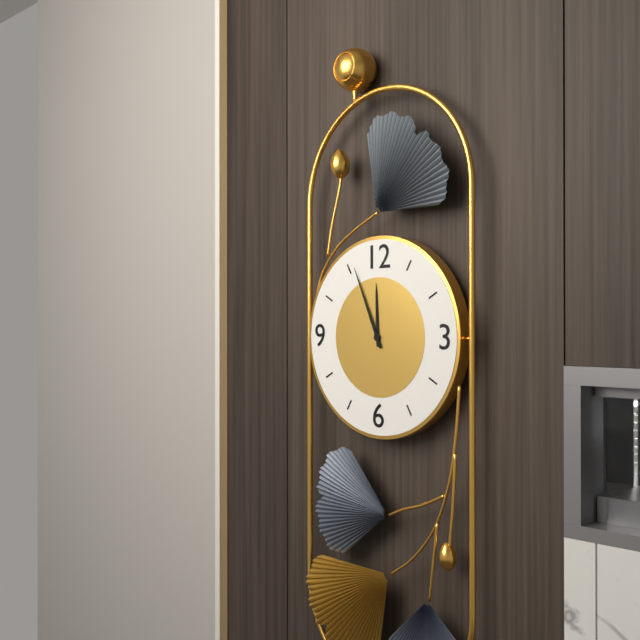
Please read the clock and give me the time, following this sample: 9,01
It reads 11,56
